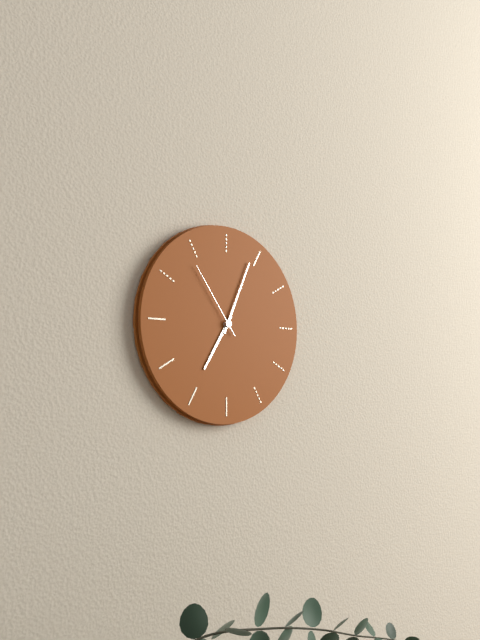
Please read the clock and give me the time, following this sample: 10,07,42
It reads 7,04,54
